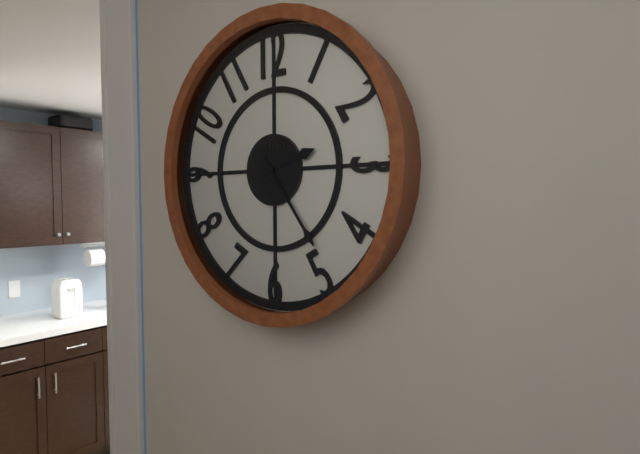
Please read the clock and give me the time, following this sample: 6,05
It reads 2,24
